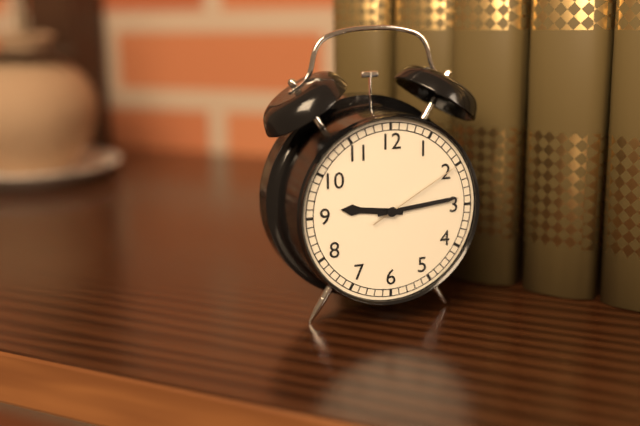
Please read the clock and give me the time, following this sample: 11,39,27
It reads 9,14,10
